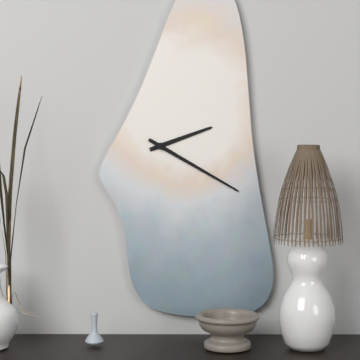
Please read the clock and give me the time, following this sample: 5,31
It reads 2,20
